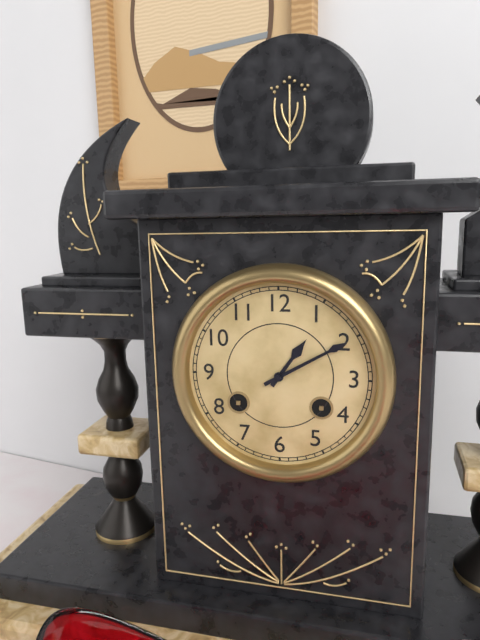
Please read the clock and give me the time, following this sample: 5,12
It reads 1,10
